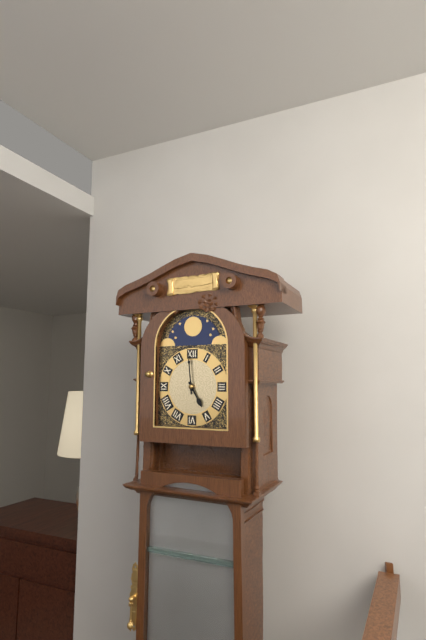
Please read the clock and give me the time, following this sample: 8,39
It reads 4,59
